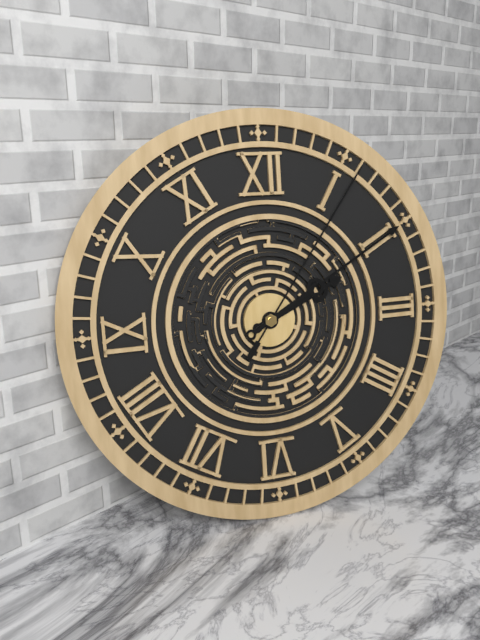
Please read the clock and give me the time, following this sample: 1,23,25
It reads 2,10,06
